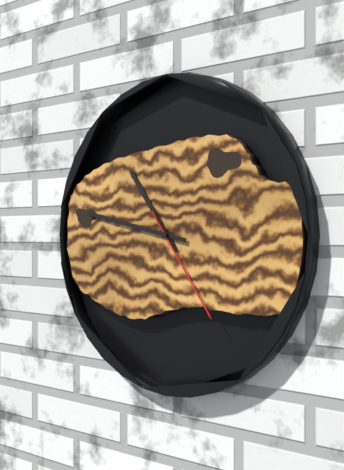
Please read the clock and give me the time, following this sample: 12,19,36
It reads 10,47,24
